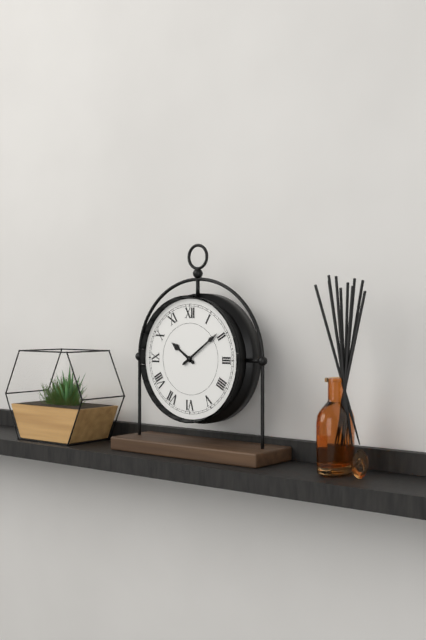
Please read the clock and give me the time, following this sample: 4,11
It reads 10,09
